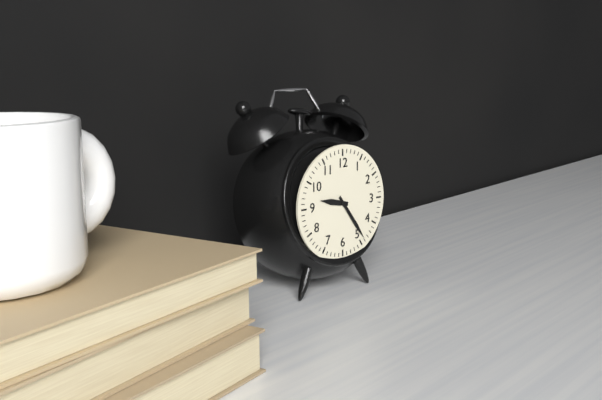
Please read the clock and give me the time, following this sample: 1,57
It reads 9,24
